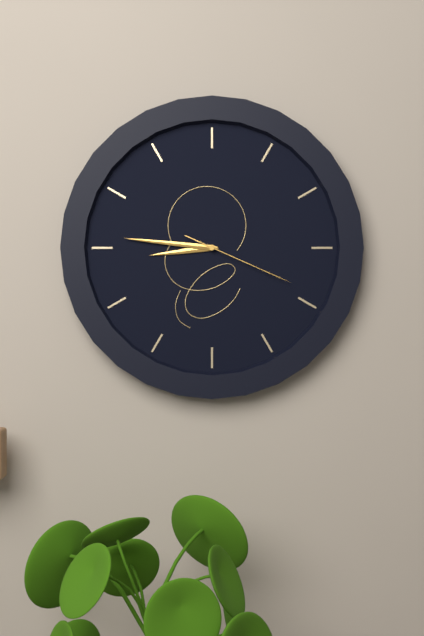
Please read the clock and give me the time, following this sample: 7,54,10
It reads 8,46,19
